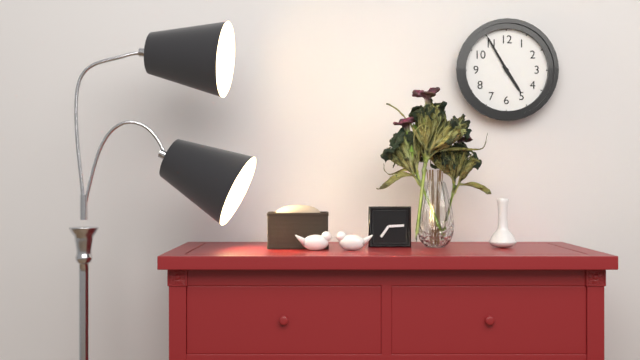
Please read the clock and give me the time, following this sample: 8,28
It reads 4,55
